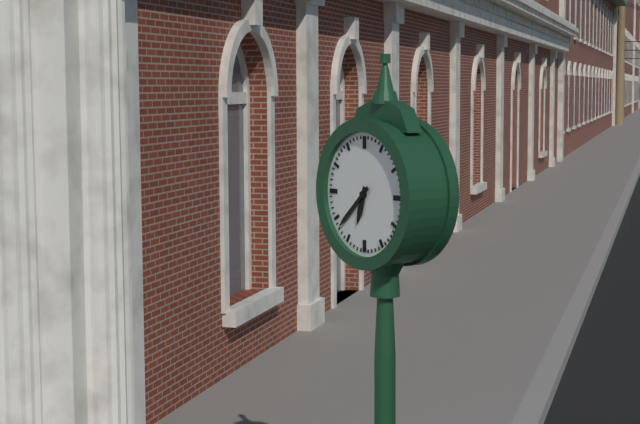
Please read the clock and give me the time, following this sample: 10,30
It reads 6,38
